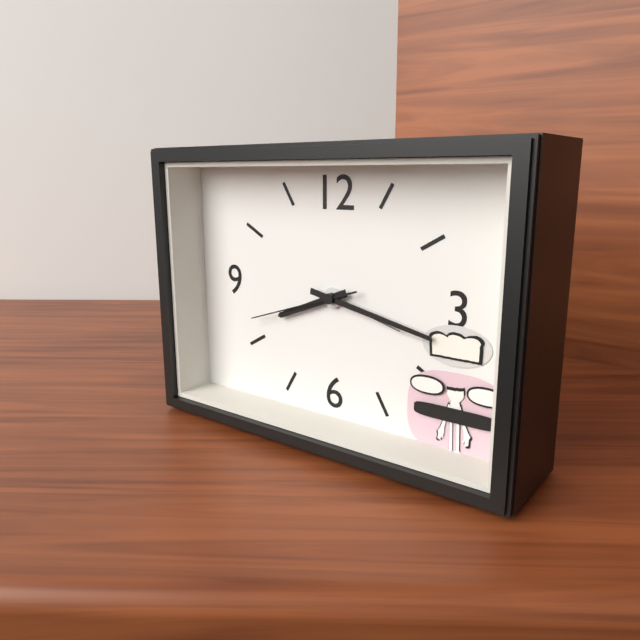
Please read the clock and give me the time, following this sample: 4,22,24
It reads 8,17,42
